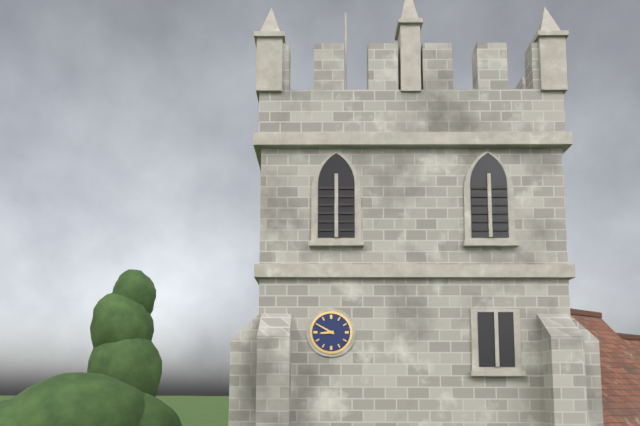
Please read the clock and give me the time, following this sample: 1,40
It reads 8,50
